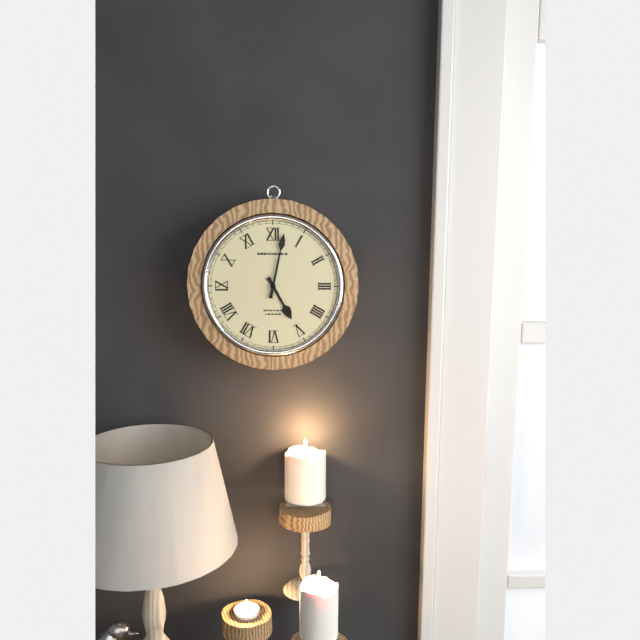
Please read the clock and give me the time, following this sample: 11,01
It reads 5,02
